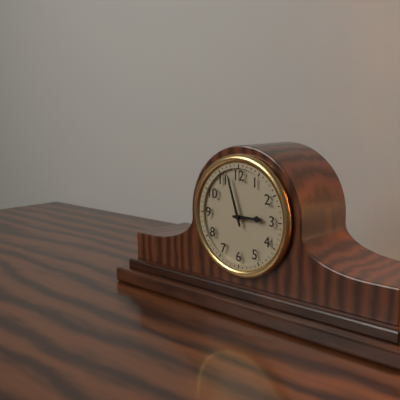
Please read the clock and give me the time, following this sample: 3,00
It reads 2,57
